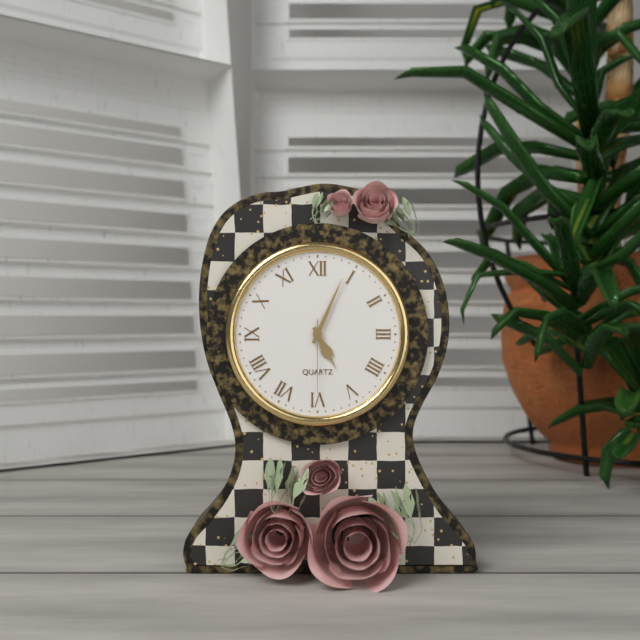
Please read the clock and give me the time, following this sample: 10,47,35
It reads 5,04,30
